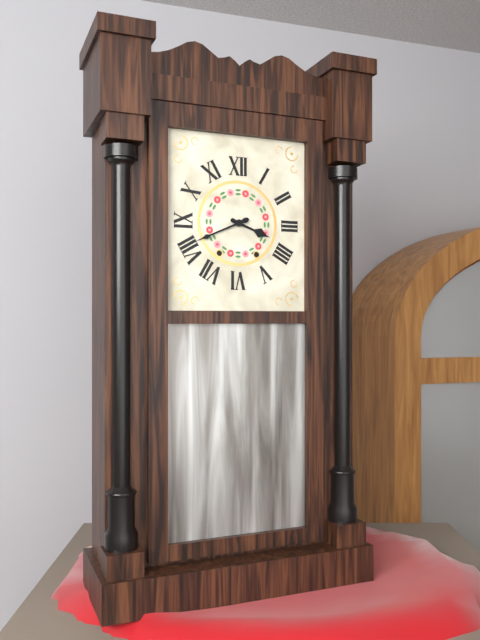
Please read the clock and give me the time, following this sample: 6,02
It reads 3,41
